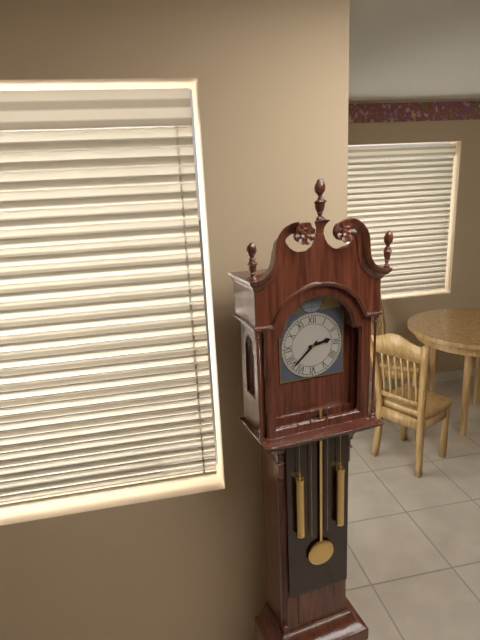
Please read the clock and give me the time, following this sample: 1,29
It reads 2,38
